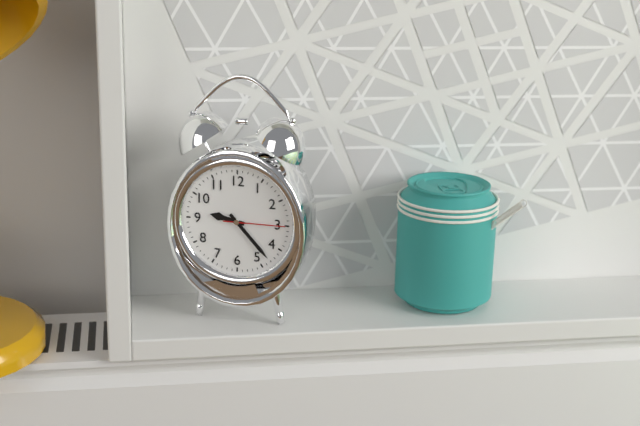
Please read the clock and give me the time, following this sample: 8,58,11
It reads 9,23,15
